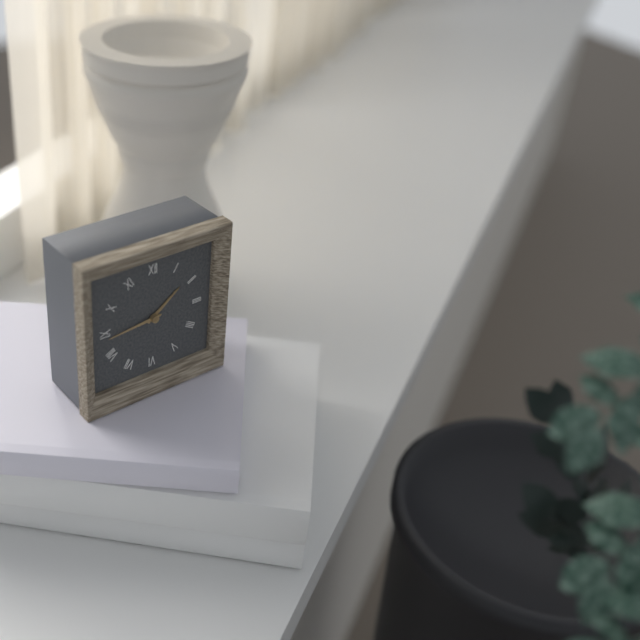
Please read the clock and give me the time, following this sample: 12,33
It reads 1,44
